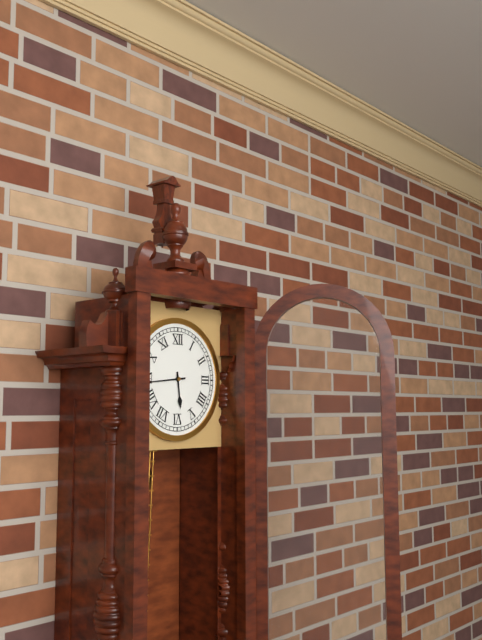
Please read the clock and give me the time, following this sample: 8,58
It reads 5,44
